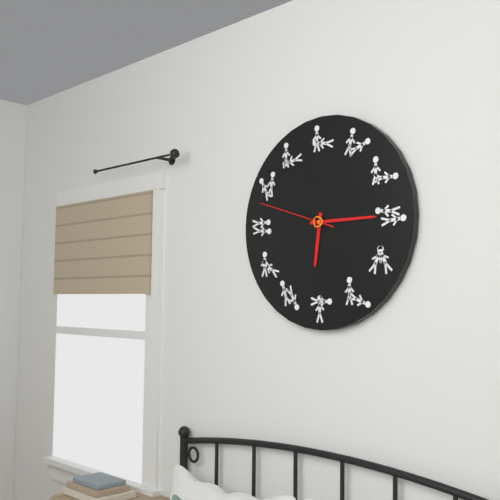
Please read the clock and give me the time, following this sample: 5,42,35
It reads 6,15,48
